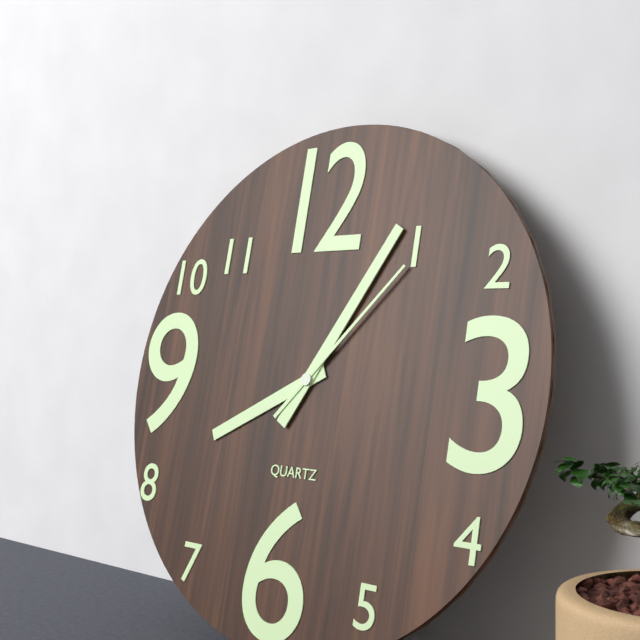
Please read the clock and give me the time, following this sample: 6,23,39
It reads 8,05,07
